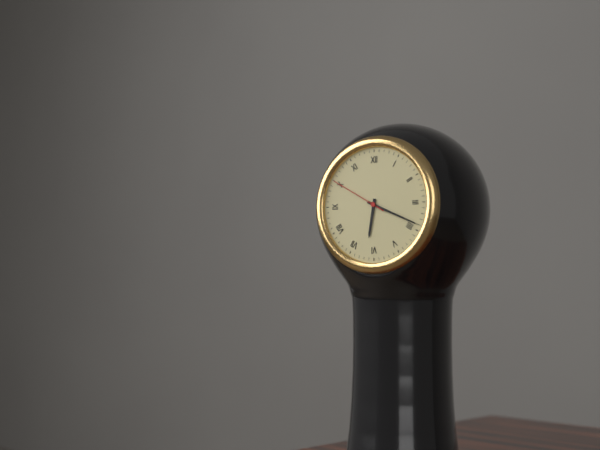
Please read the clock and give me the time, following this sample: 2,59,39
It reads 6,19,50
